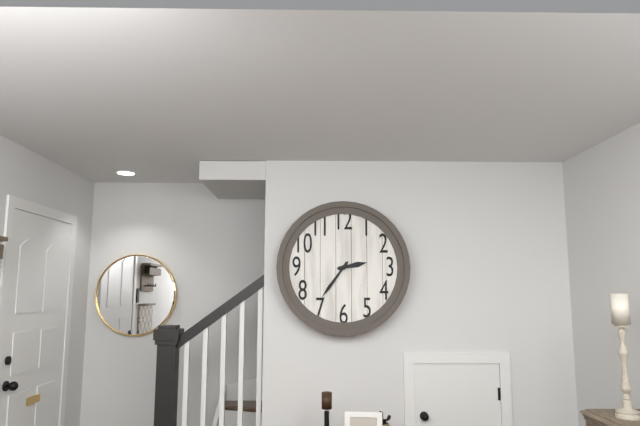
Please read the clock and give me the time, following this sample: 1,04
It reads 2,36
